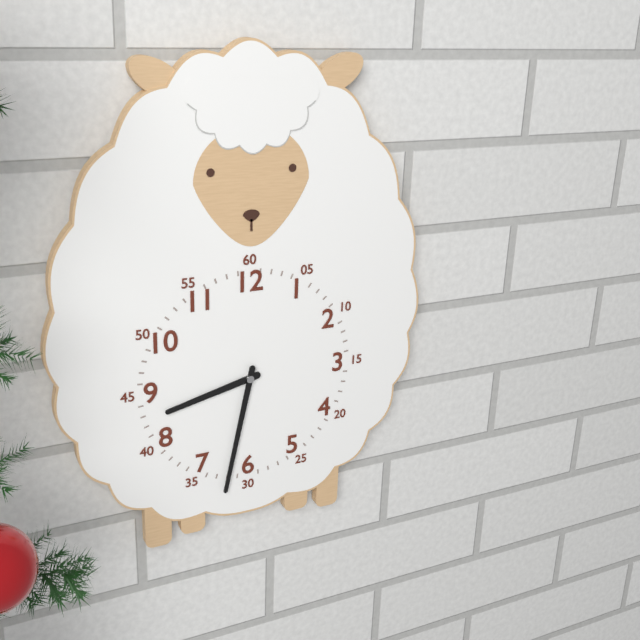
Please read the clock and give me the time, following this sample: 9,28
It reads 8,32
